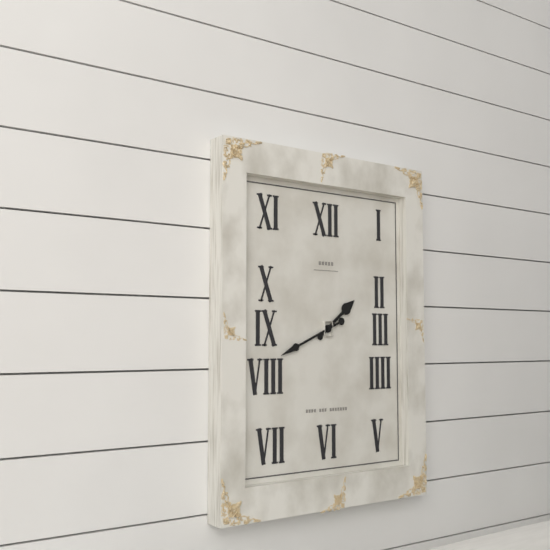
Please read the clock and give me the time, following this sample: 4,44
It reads 1,41
